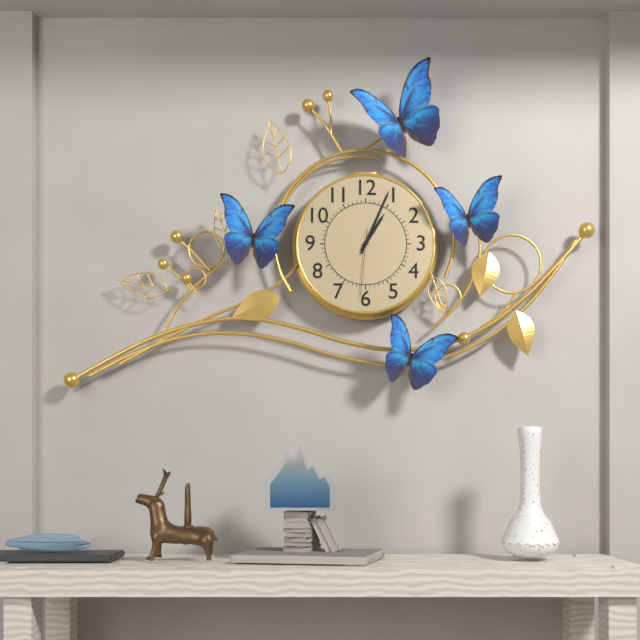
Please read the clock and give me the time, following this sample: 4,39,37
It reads 1,04,31
